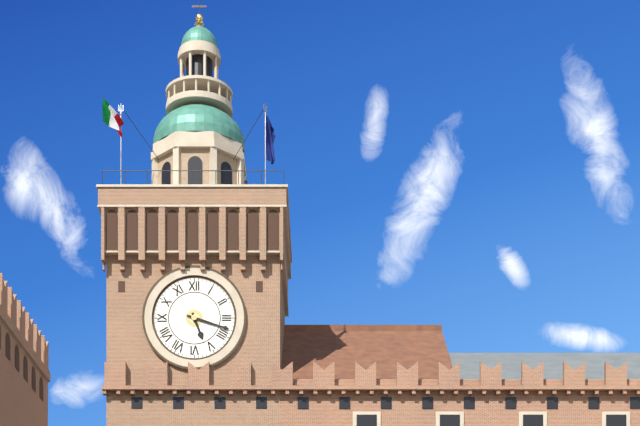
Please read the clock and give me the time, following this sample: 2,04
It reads 5,18
